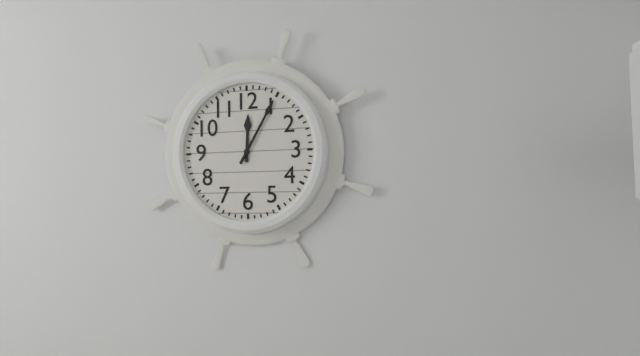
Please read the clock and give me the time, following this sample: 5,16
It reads 12,05
